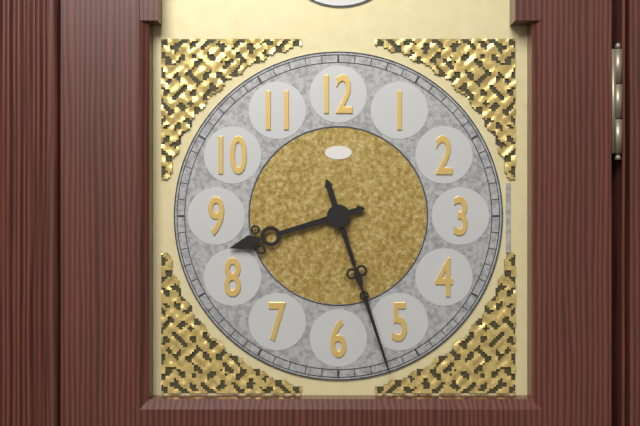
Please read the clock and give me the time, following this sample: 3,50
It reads 8,27
